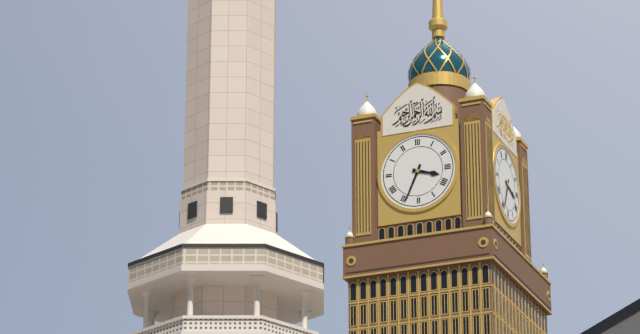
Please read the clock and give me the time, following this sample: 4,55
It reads 3,34
